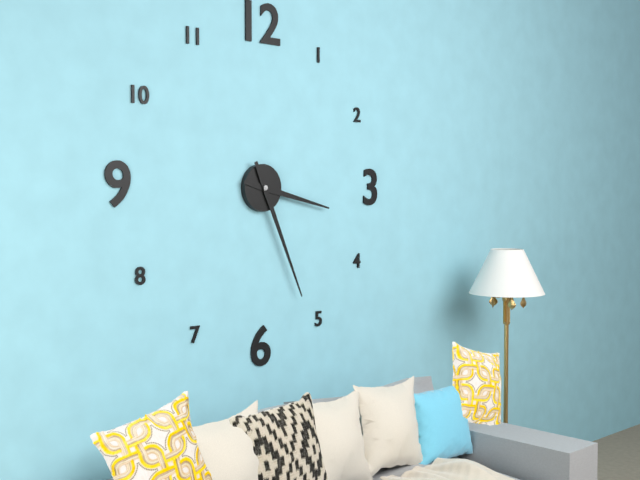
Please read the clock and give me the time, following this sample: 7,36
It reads 3,26
